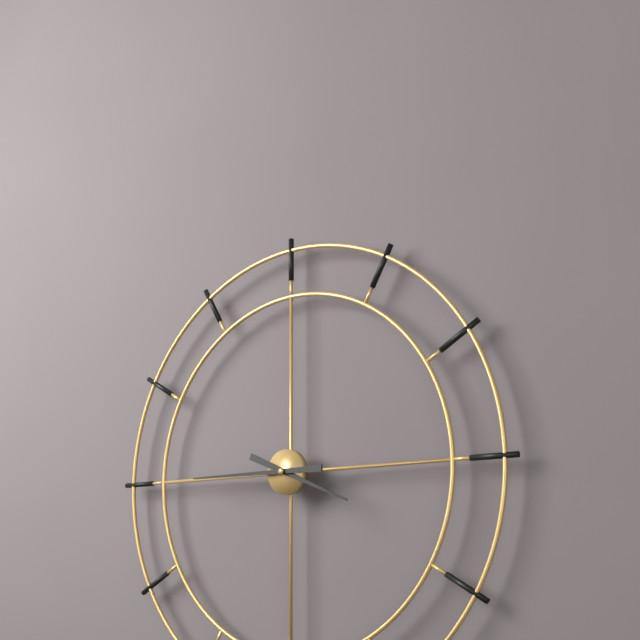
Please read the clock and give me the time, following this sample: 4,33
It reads 3,45
